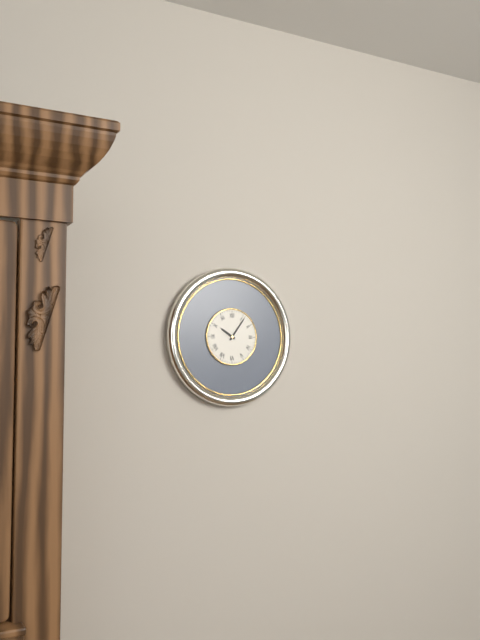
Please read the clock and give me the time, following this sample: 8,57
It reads 10,06
